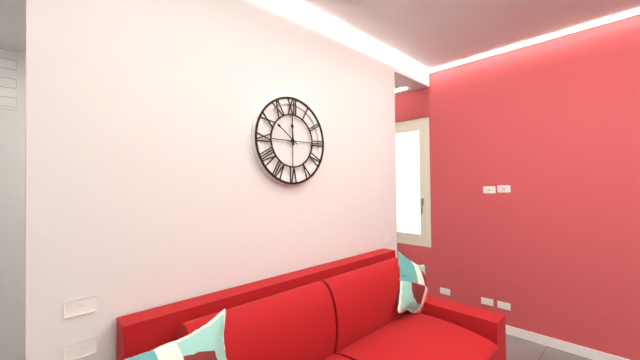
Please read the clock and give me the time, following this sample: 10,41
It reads 11,51
